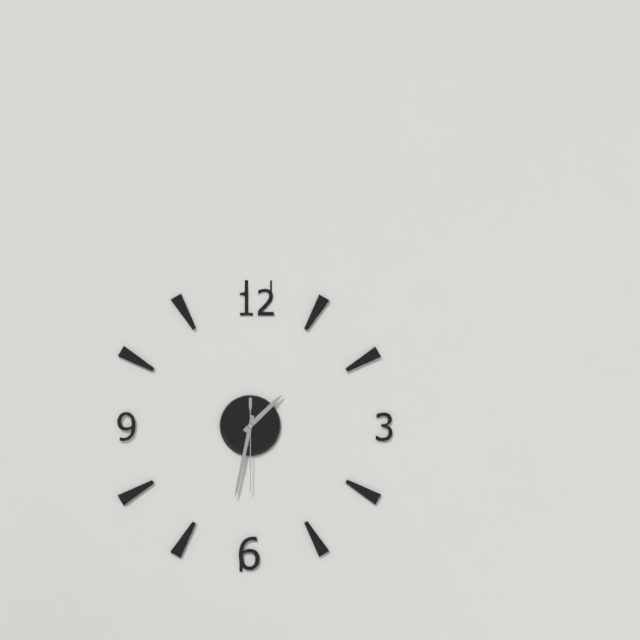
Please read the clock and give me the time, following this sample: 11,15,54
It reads 1,32,30
